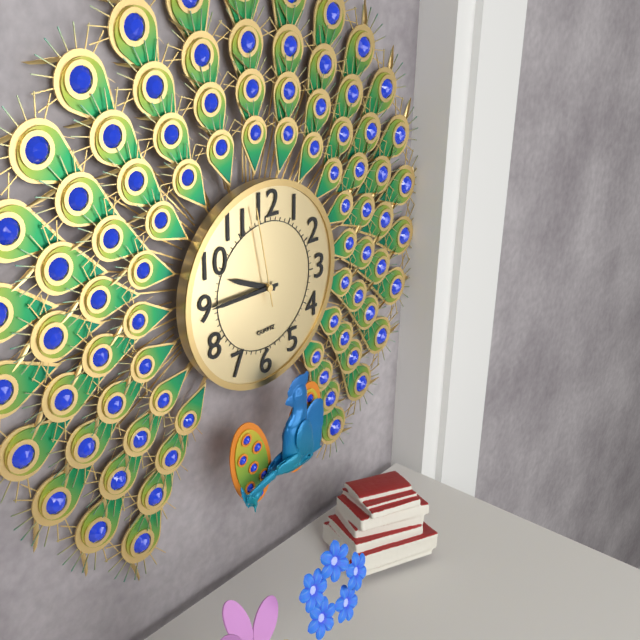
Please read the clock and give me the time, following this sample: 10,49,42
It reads 9,45,58
